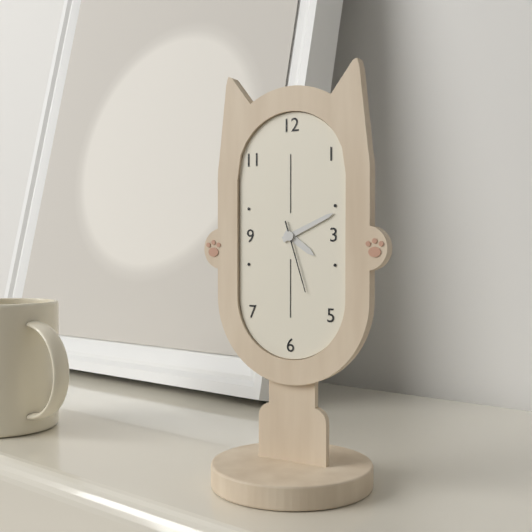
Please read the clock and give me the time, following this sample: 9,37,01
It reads 4,11,27
